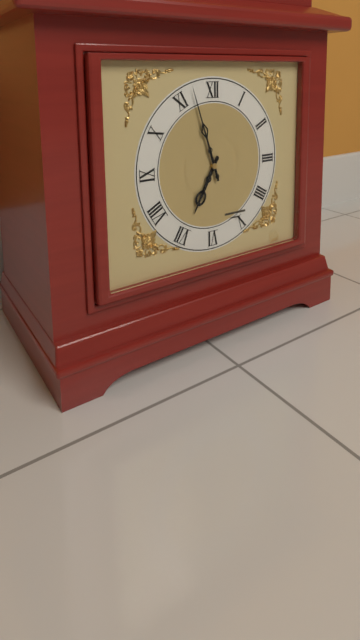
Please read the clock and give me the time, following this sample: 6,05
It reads 6,57
